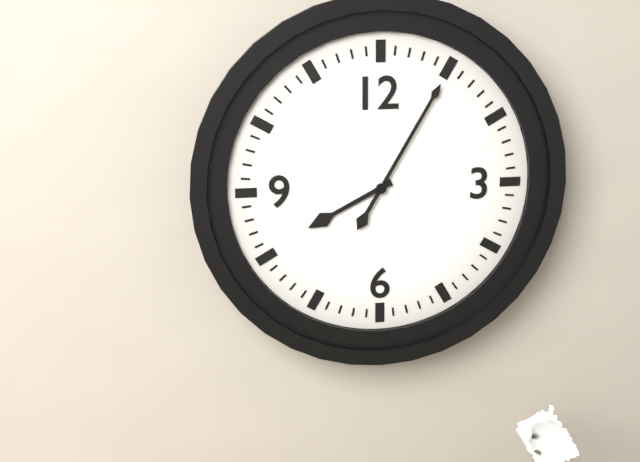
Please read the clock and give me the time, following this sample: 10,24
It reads 8,05
